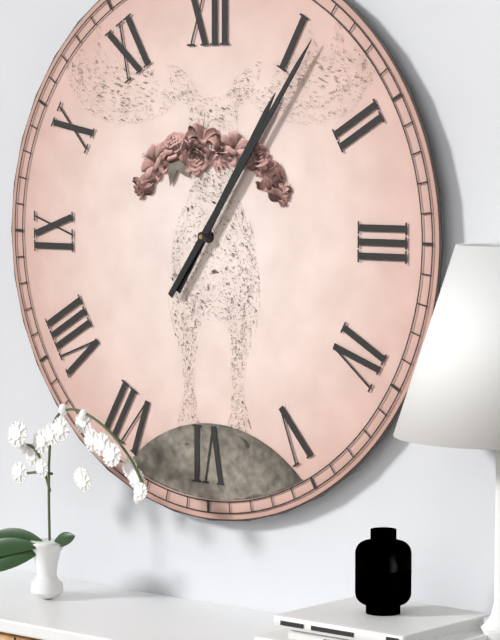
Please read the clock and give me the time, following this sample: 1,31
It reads 1,06
